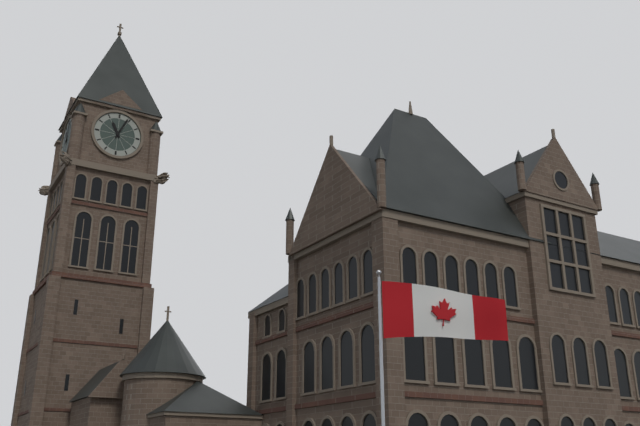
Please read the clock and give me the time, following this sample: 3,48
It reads 11,04
